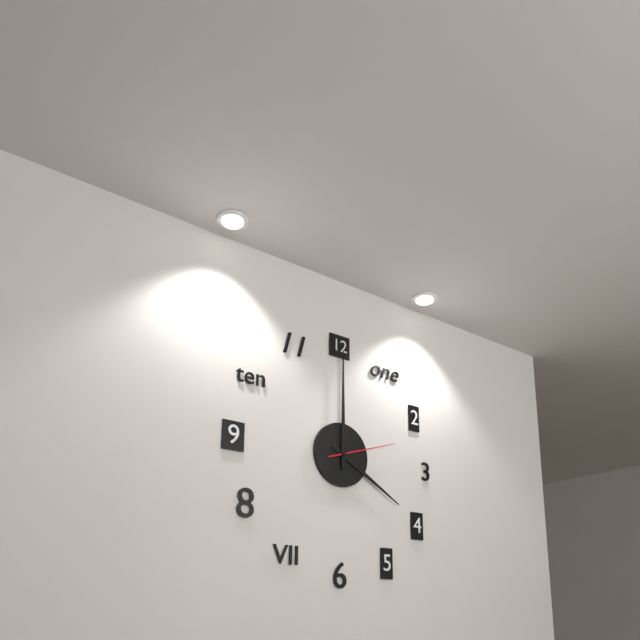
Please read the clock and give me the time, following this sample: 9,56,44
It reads 4,00,12
